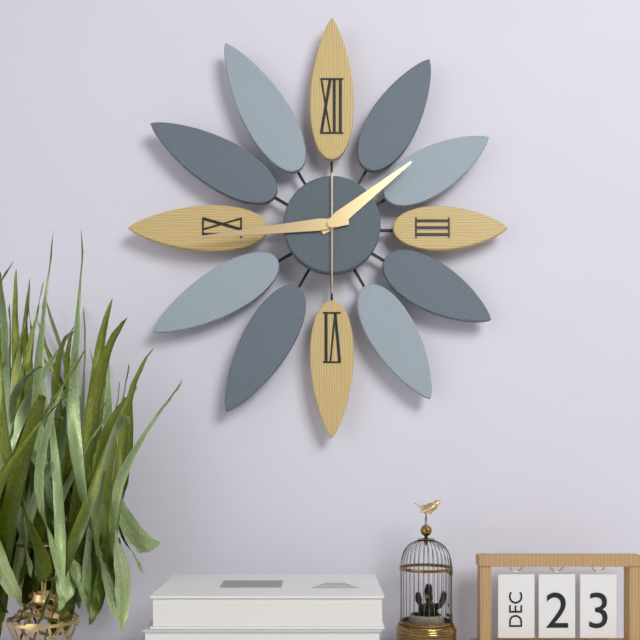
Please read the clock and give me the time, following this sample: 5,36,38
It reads 1,44,30
